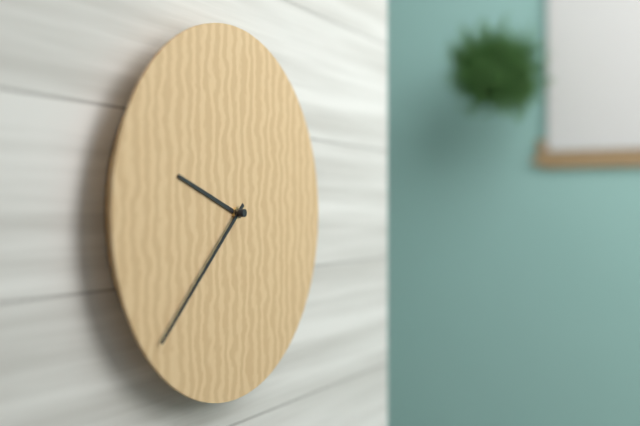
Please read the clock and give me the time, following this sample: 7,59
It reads 9,38
